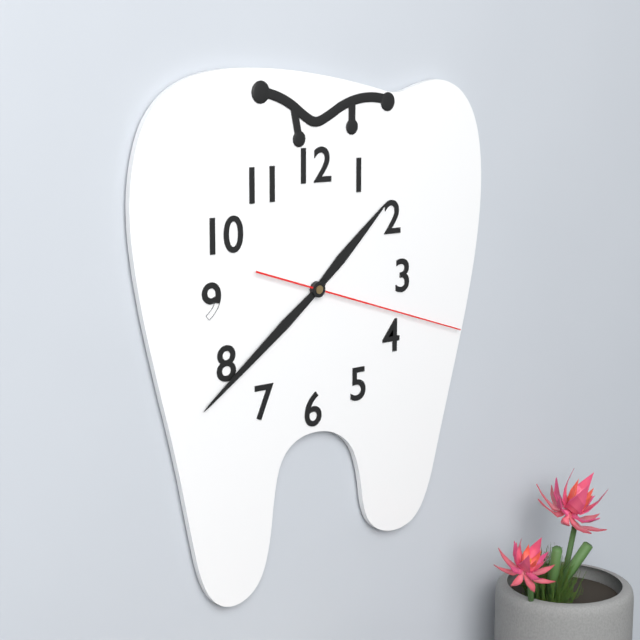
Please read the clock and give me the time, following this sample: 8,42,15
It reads 1,39,18
